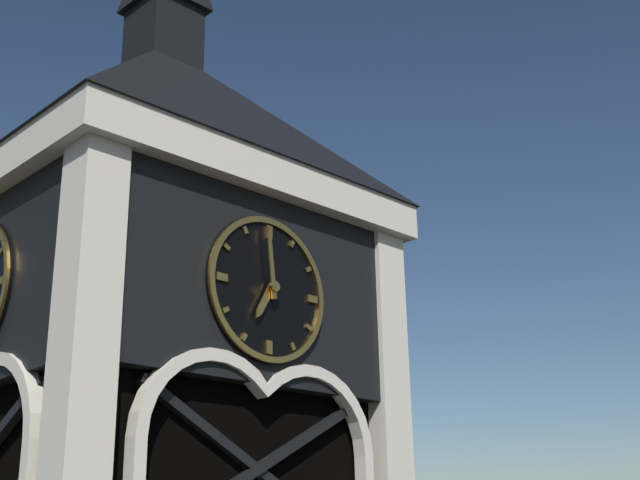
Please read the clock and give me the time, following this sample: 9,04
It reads 6,59
